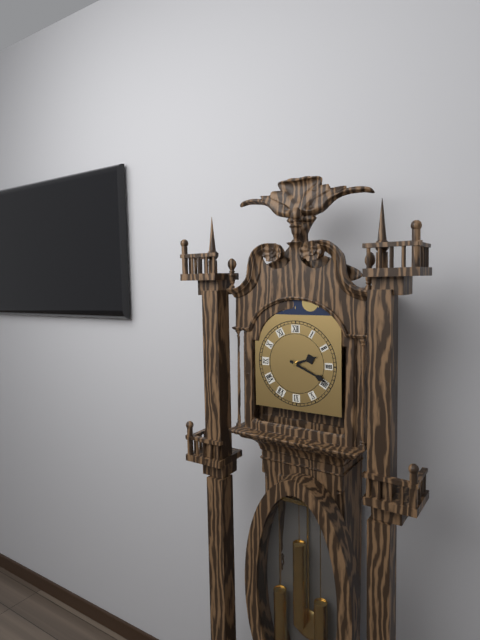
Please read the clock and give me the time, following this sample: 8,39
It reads 2,19
